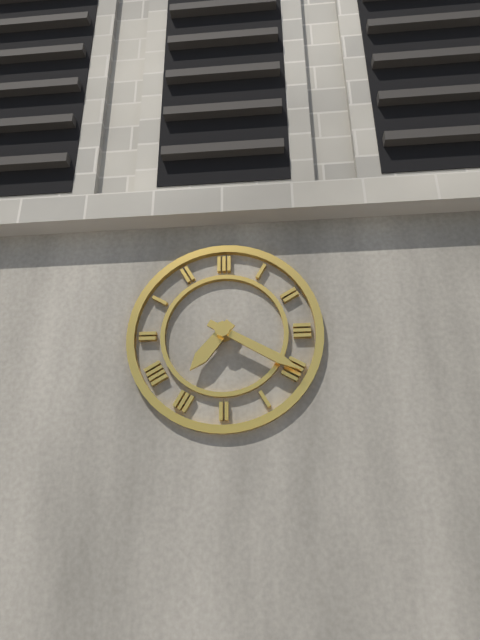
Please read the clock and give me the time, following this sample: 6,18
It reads 7,20
